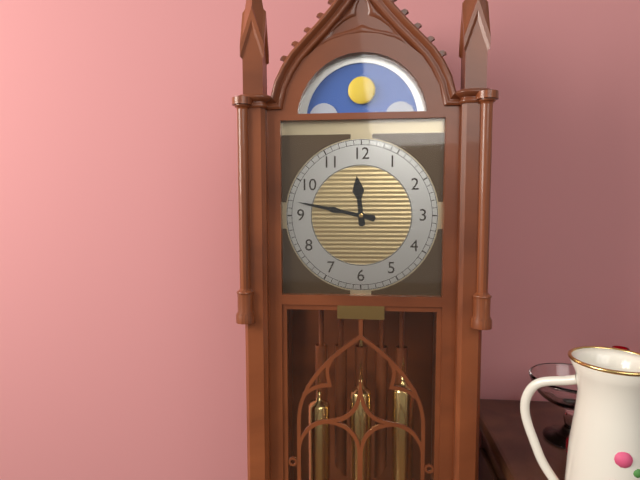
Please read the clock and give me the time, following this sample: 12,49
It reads 11,47
